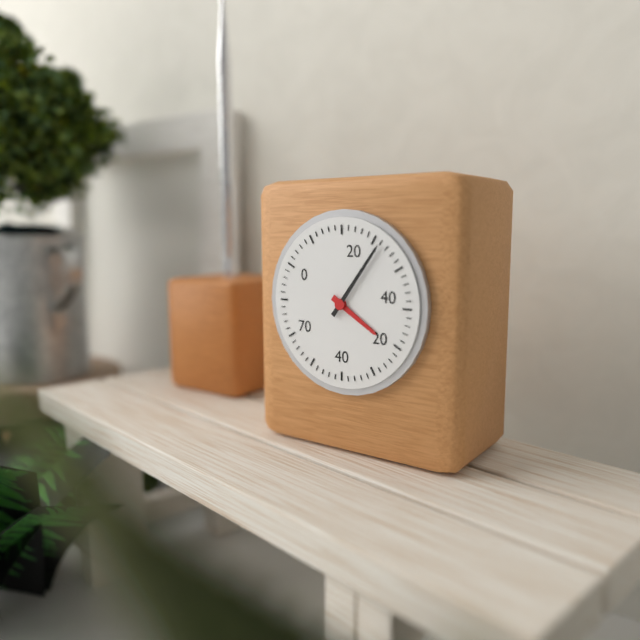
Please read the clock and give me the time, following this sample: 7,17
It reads 4,06
